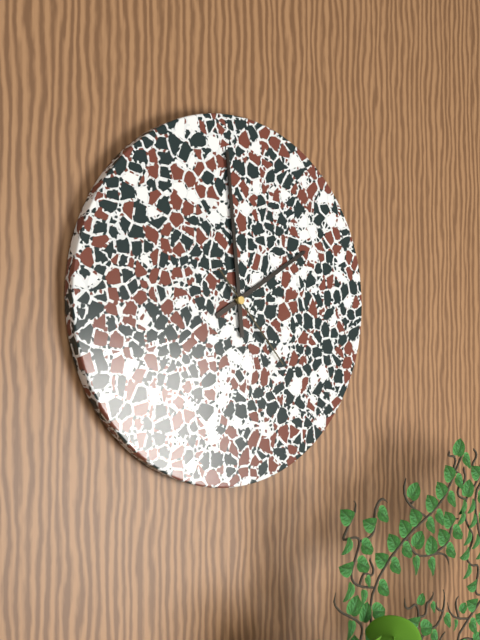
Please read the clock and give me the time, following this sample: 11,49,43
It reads 1,59,23
